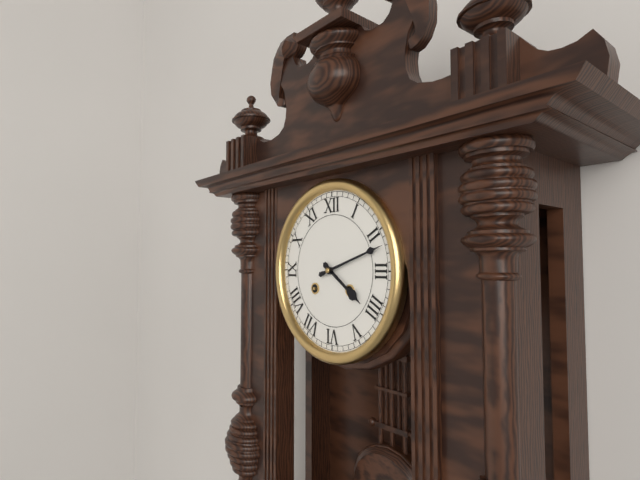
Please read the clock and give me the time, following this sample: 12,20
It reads 4,12
